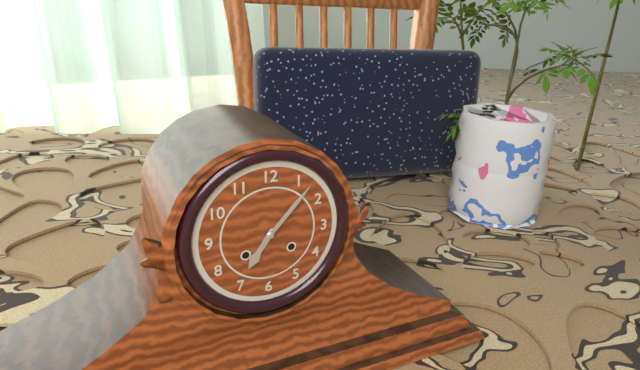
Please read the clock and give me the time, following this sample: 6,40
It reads 7,07
